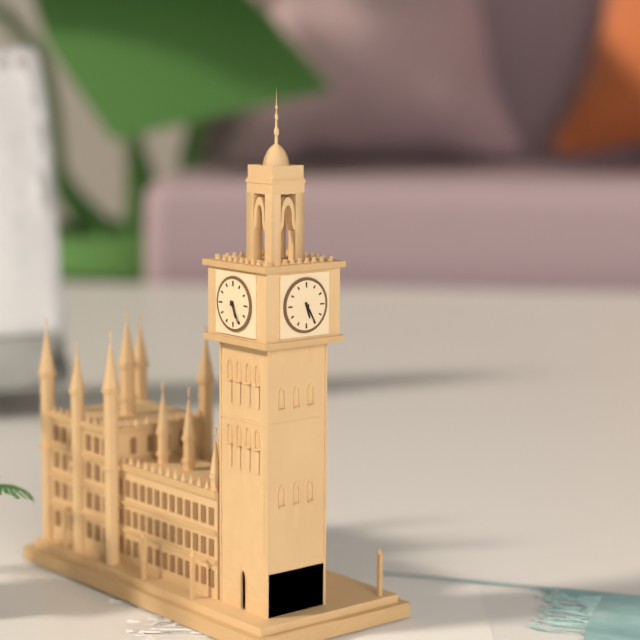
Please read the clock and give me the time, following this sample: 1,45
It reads 5,25
